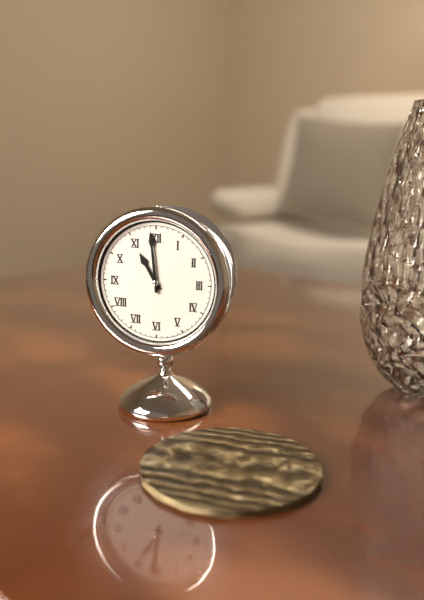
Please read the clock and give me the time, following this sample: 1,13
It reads 10,59
